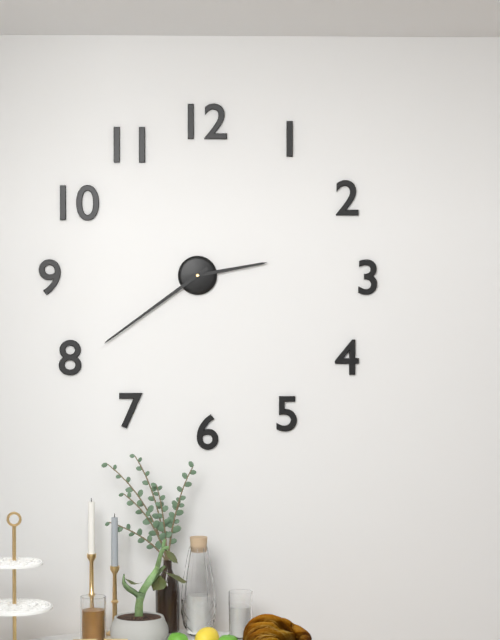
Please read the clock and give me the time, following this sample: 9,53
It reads 2,39
